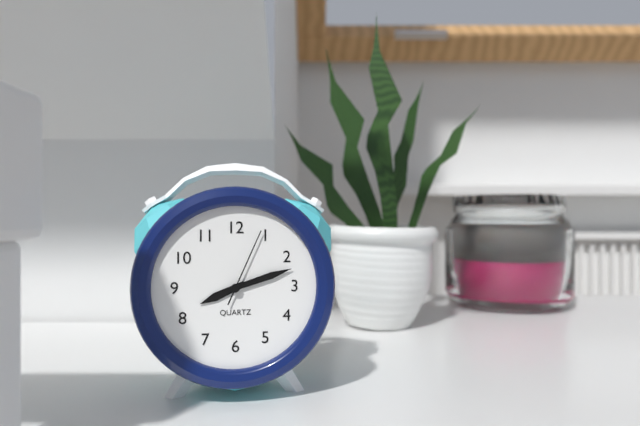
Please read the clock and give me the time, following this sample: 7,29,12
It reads 8,12,04
